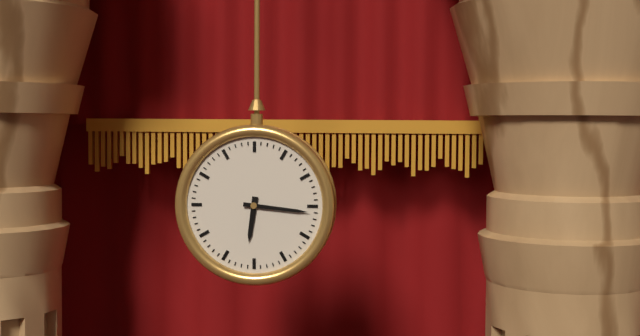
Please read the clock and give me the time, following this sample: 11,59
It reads 6,16
